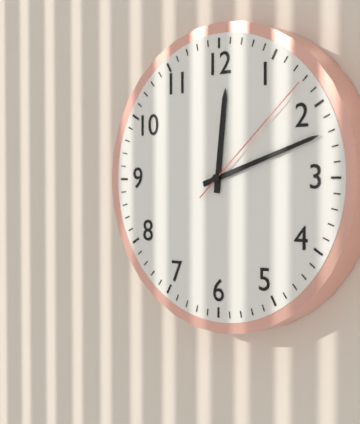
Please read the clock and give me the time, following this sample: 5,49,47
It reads 12,12,08
